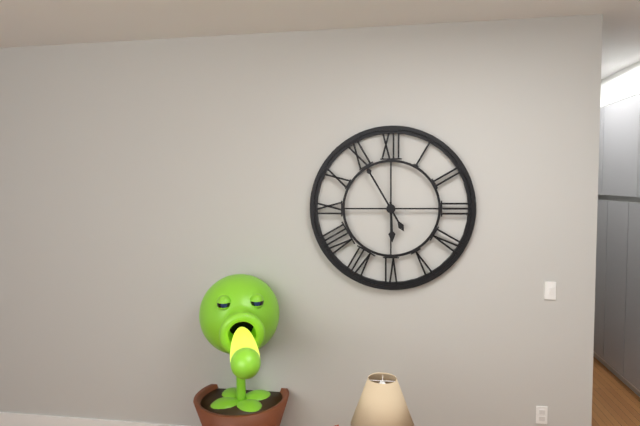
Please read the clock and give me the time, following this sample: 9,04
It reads 5,55
